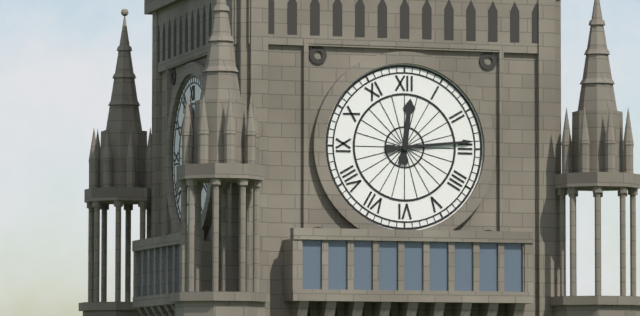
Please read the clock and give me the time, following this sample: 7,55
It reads 12,14
